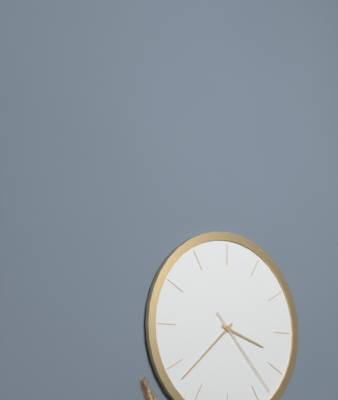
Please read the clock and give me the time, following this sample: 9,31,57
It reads 3,38,23
